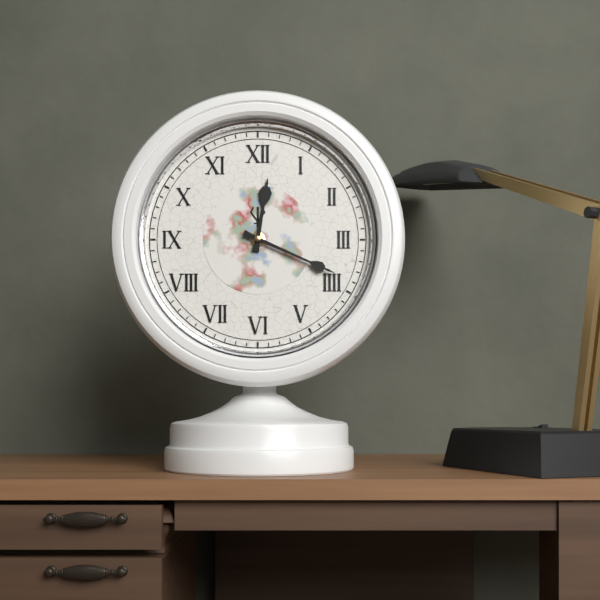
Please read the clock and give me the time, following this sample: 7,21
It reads 12,19
